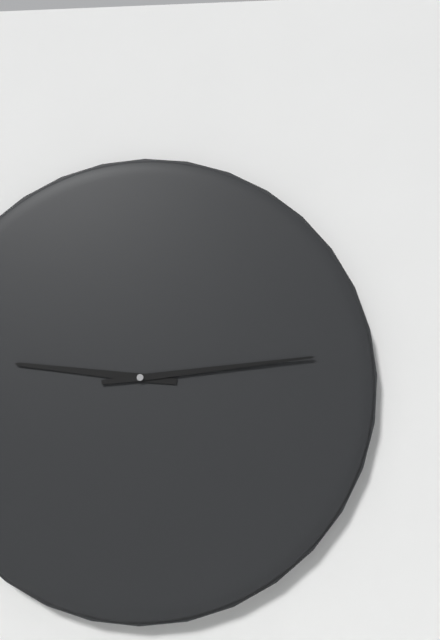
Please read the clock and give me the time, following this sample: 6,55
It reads 9,14
